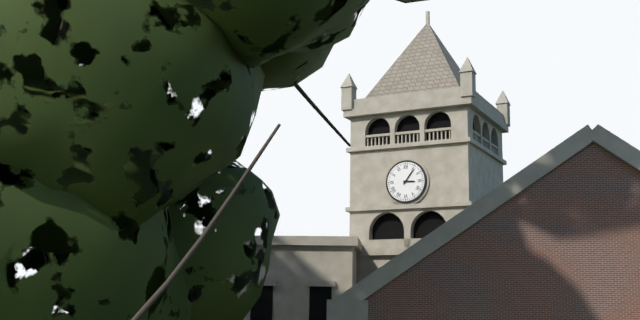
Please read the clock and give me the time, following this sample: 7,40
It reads 3,06
